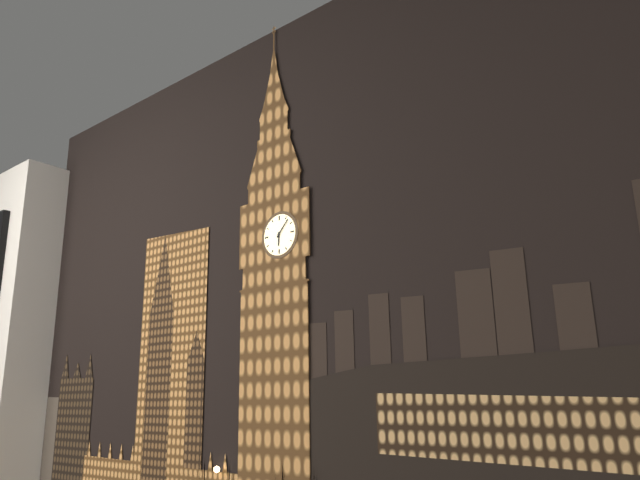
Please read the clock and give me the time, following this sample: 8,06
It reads 6,07
